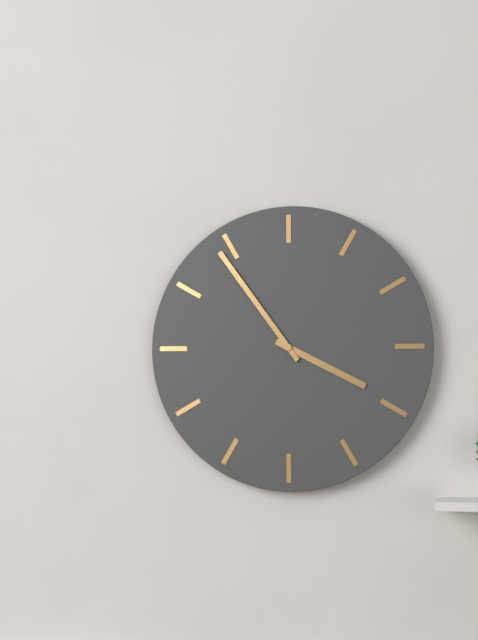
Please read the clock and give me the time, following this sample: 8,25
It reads 3,54
